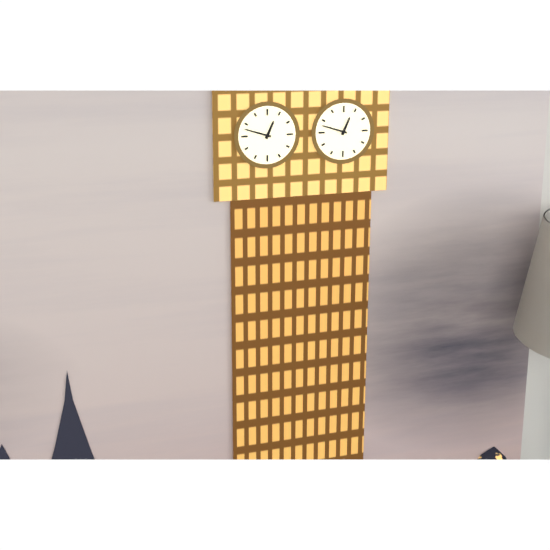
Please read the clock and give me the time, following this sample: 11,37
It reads 12,48
